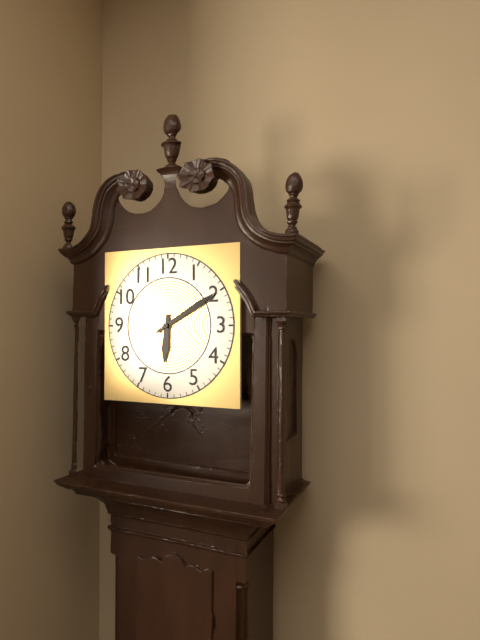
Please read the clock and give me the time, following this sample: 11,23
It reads 6,10
